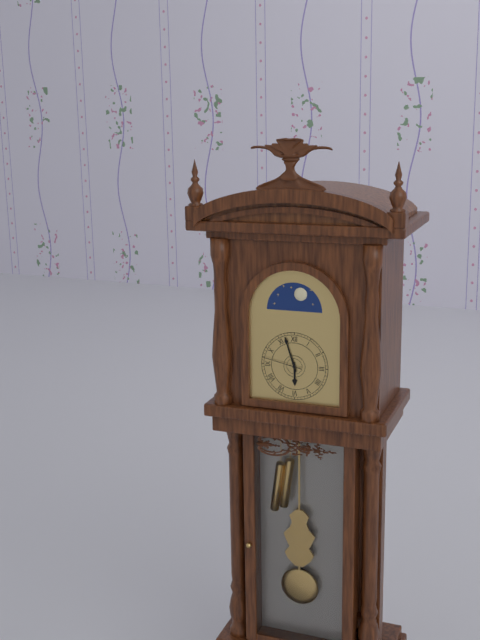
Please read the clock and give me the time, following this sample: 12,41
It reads 5,57
